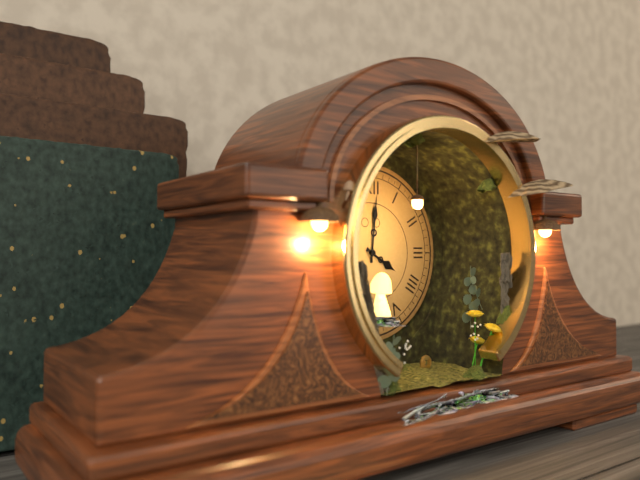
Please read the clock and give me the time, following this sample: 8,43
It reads 4,01
